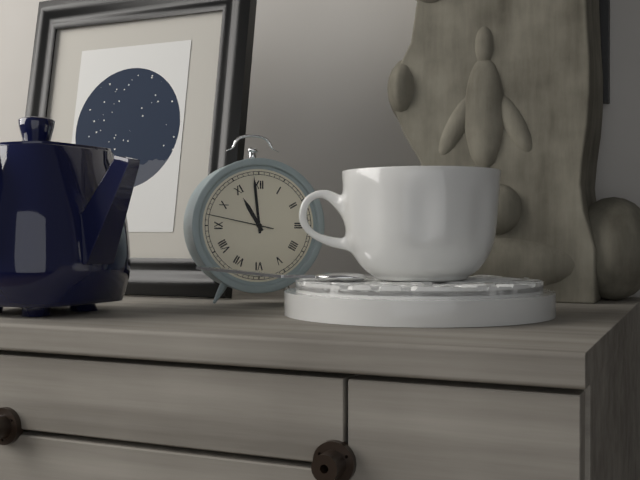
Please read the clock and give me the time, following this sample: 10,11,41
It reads 10,59,47
